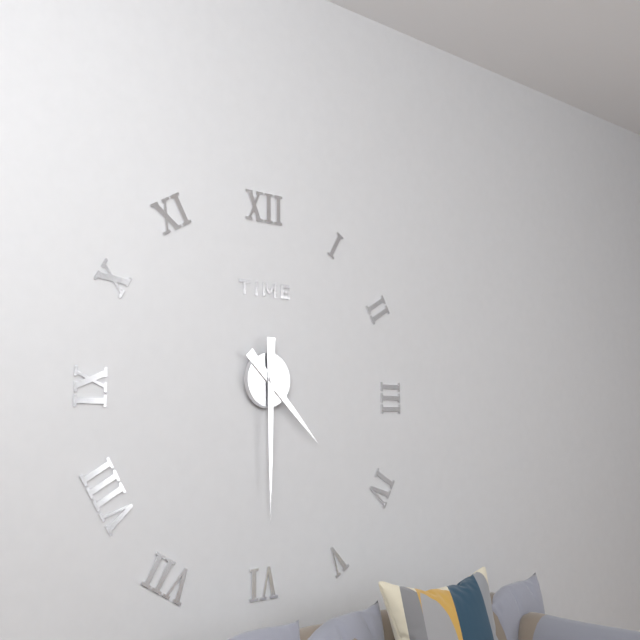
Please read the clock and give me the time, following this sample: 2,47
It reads 4,30
